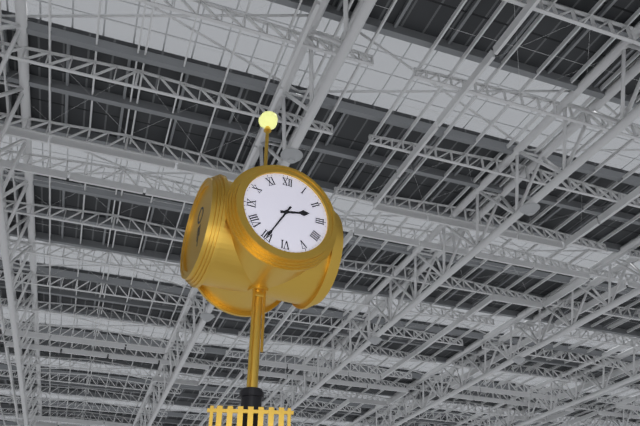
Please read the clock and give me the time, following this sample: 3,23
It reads 2,35
